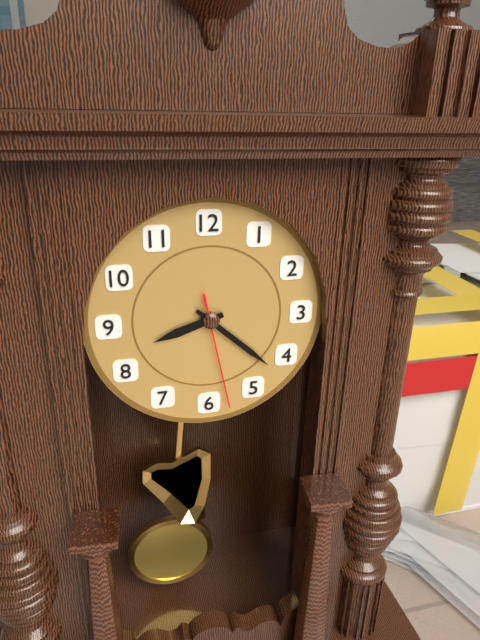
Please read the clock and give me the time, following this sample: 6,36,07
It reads 8,22,28
